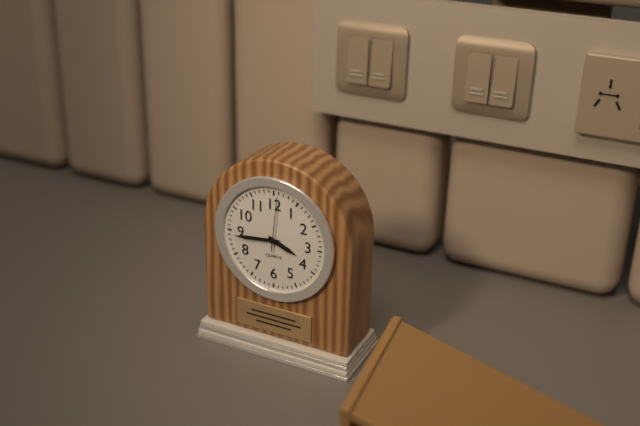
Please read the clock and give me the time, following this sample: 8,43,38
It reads 3,44,01
